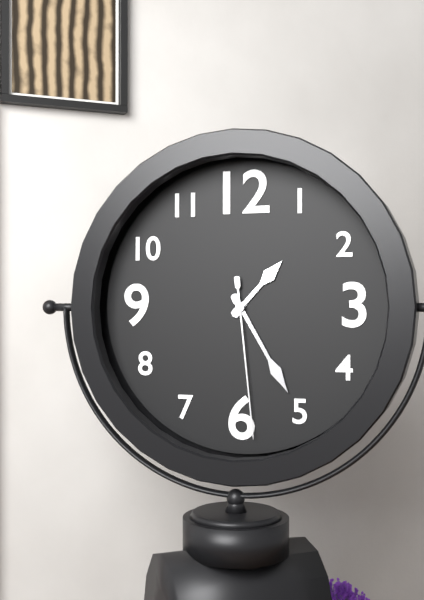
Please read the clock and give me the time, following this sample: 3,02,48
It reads 1,25,29
